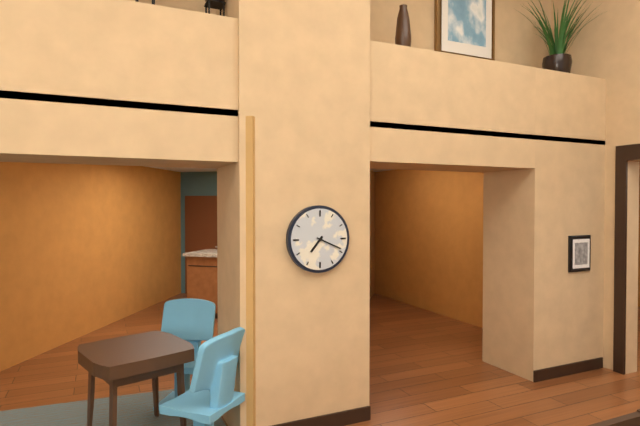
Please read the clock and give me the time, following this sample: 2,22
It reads 7,19
